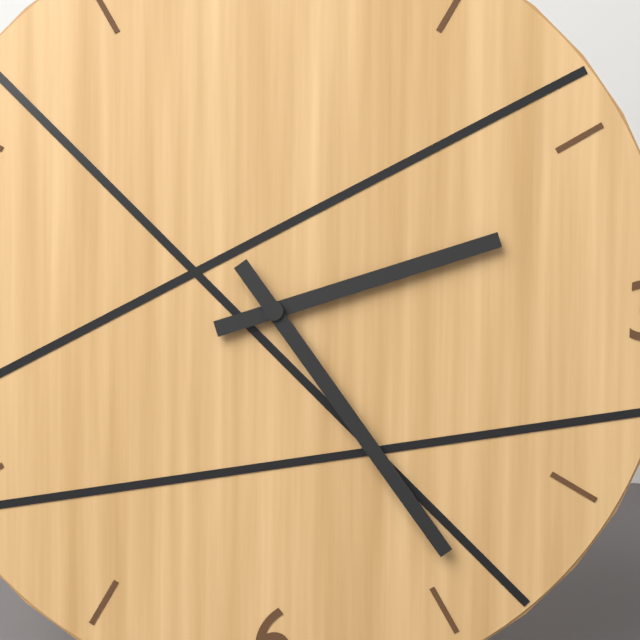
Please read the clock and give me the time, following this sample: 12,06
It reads 2,24
